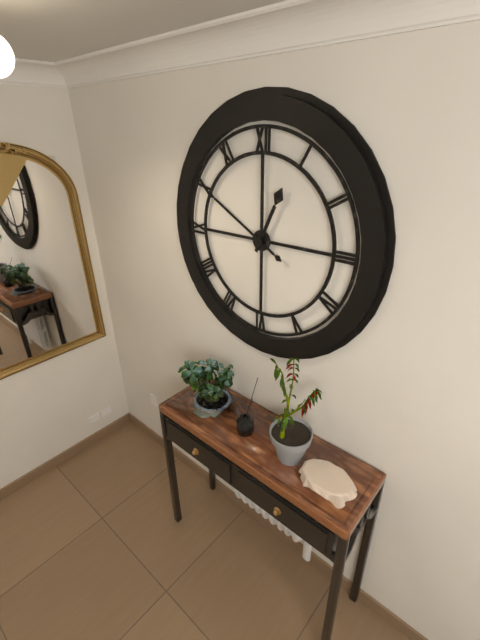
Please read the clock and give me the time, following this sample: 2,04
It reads 12,50
